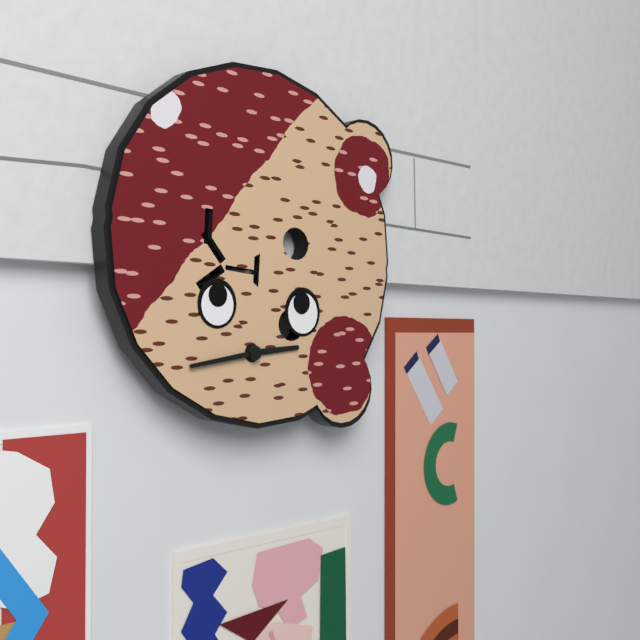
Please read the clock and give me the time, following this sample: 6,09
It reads 2,43
